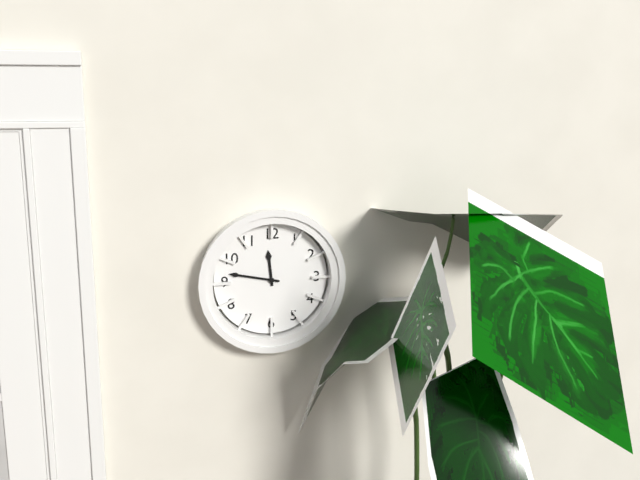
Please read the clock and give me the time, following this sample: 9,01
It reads 11,47
